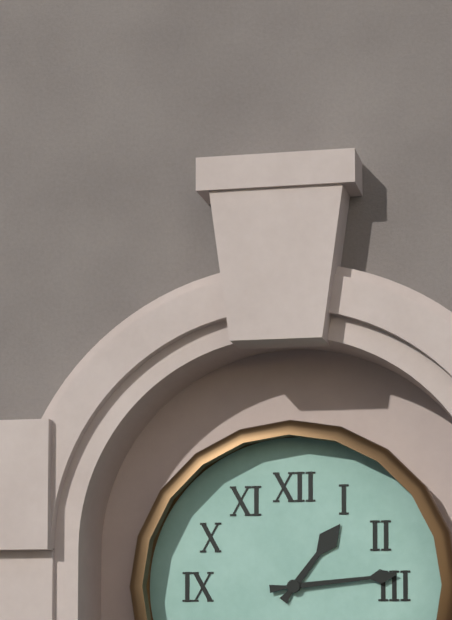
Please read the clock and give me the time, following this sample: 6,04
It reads 1,14
